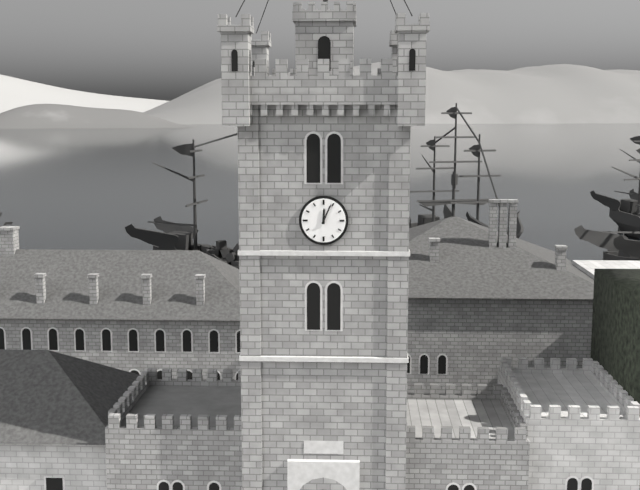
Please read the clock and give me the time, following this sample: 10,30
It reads 12,04
